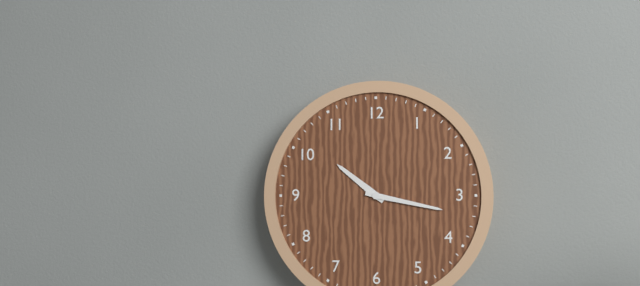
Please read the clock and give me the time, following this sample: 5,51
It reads 10,17
